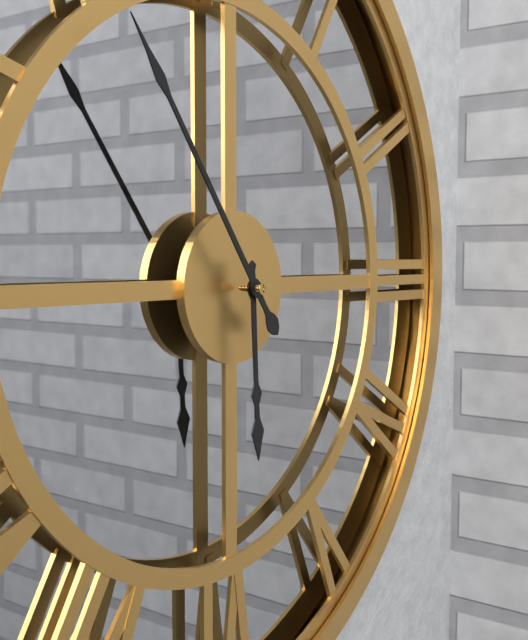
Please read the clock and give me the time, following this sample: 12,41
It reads 5,54
